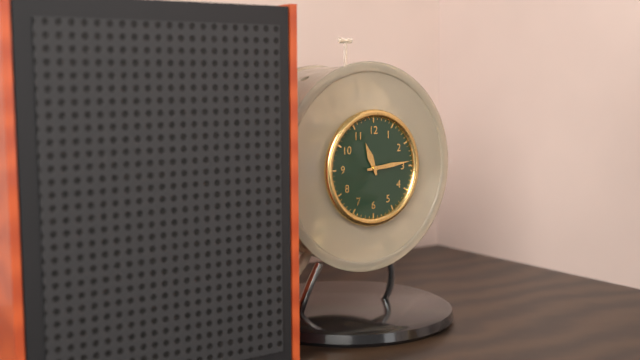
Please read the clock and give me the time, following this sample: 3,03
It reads 11,14
